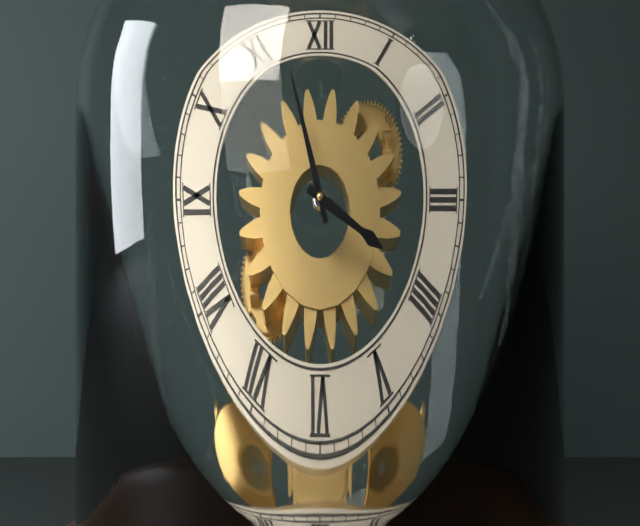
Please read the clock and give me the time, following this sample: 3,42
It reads 3,57
